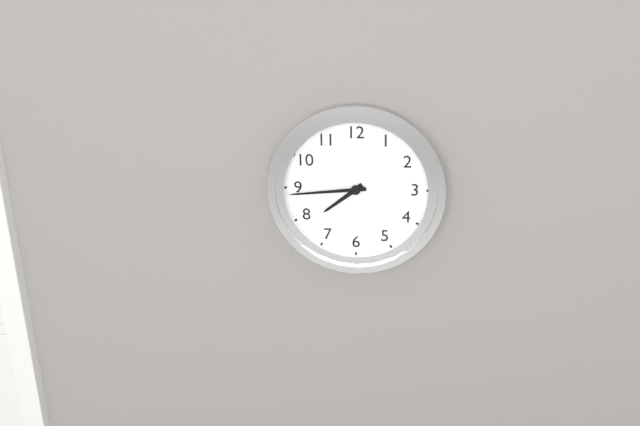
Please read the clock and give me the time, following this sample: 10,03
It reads 7,44
